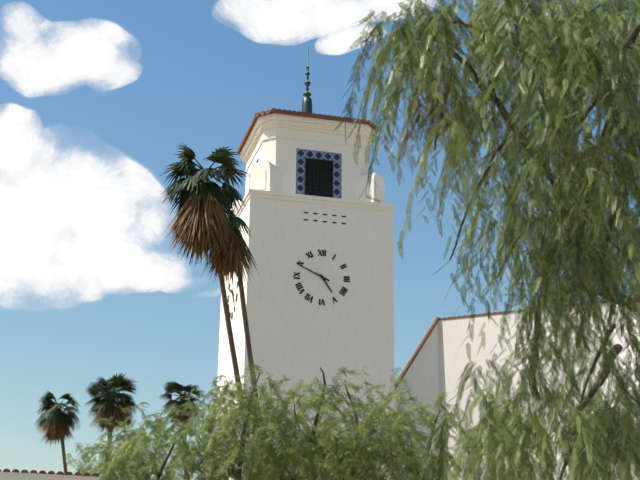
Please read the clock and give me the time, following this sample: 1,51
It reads 4,49
